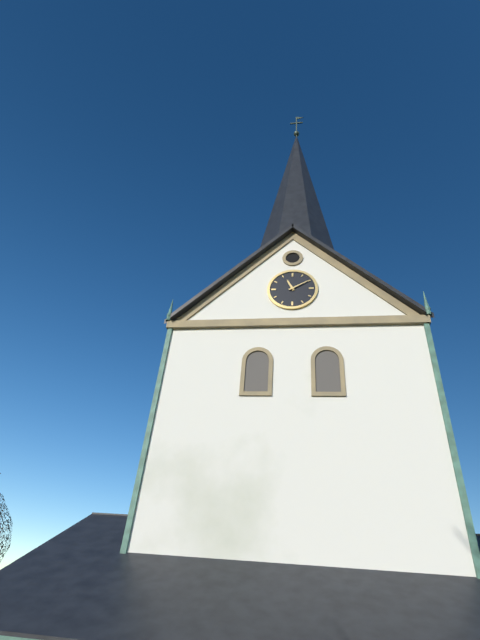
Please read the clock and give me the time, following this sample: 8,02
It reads 11,10
